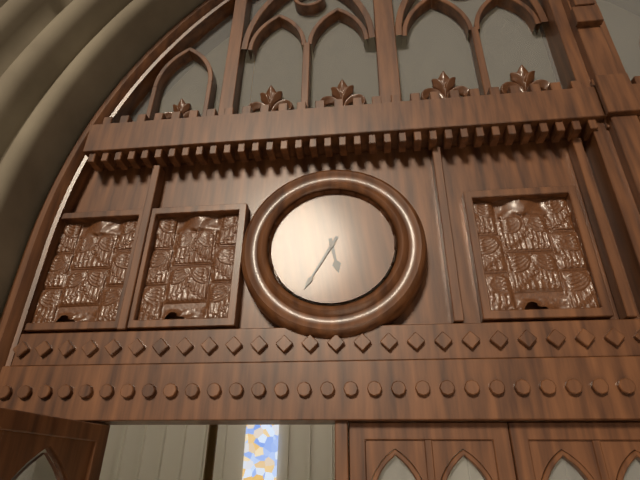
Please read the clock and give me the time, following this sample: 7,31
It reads 5,35
